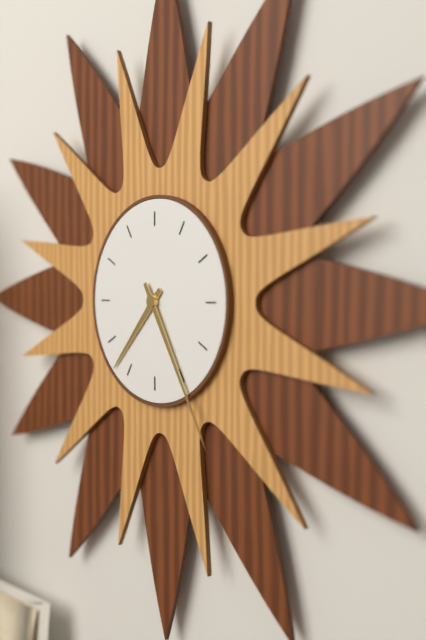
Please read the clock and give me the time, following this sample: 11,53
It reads 7,25
